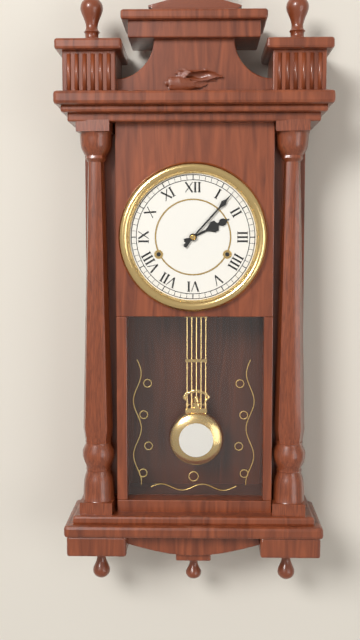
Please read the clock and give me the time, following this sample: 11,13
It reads 2,07
